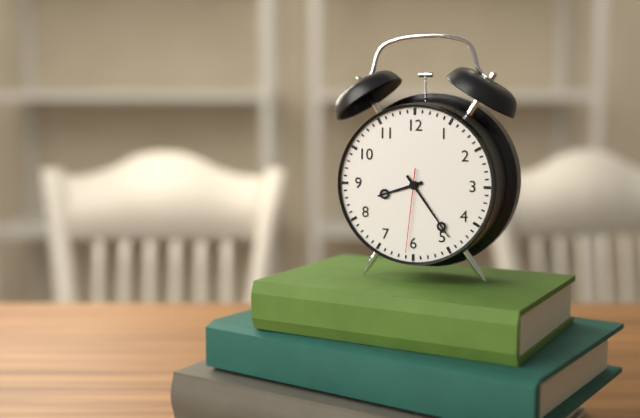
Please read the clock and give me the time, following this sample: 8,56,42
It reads 8,24,31
